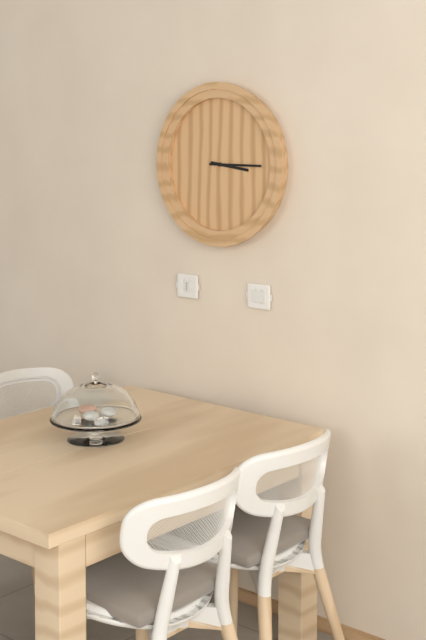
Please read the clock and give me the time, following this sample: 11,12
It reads 3,15
